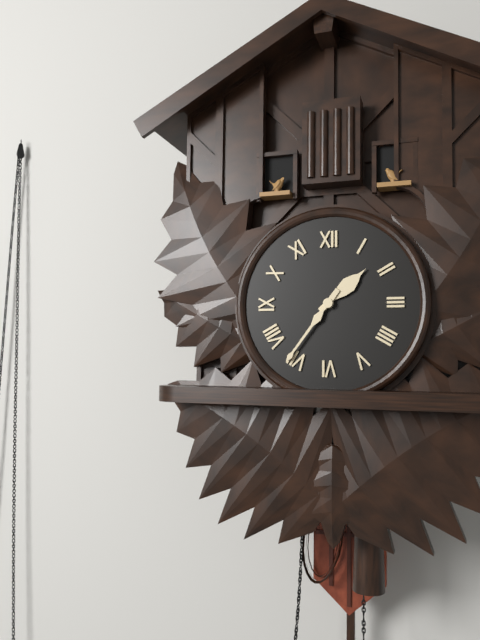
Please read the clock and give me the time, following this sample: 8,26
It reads 1,36
